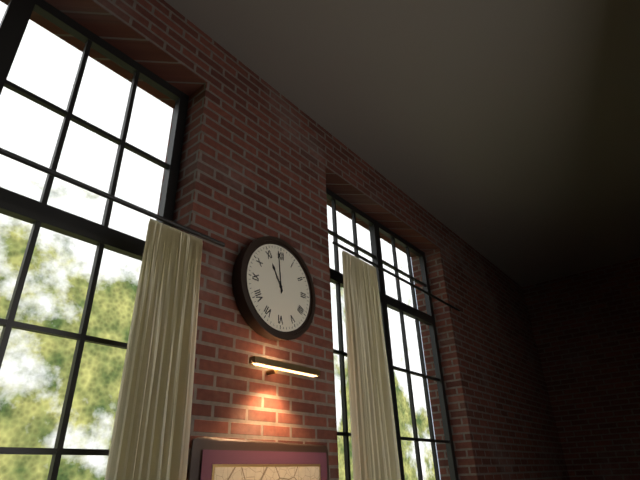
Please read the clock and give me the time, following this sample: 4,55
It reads 10,59
